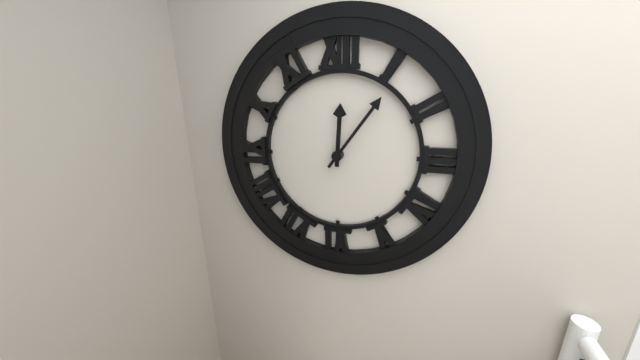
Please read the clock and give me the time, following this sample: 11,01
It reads 12,06
